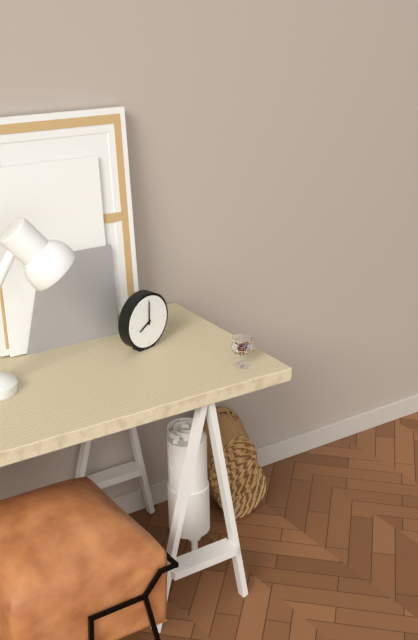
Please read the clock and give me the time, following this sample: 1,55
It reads 8,00
